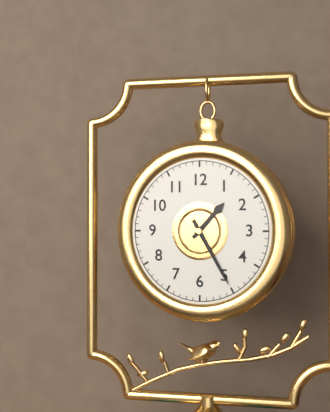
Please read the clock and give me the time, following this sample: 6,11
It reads 1,25
